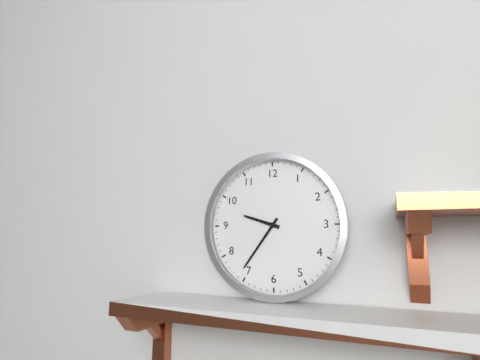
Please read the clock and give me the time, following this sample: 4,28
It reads 9,36
